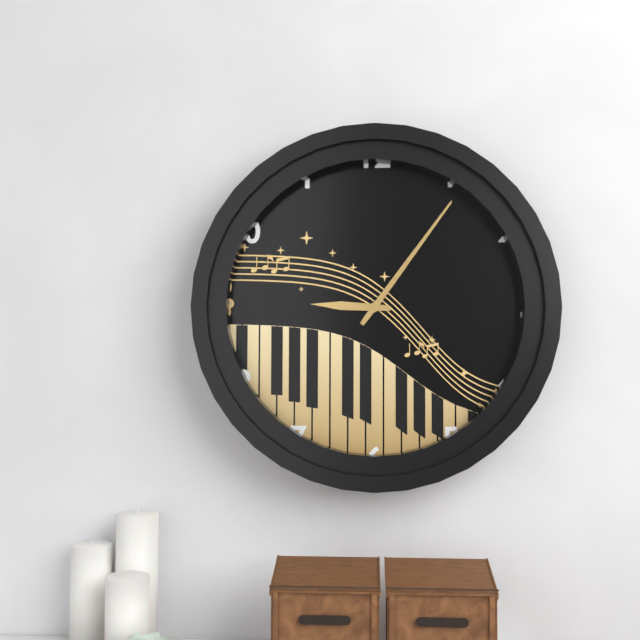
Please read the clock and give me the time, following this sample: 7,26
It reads 9,06
